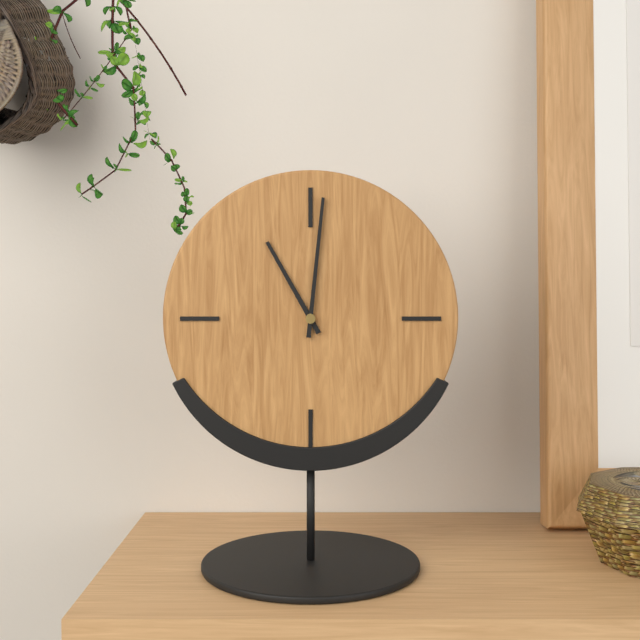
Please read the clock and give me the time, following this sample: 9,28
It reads 11,01
